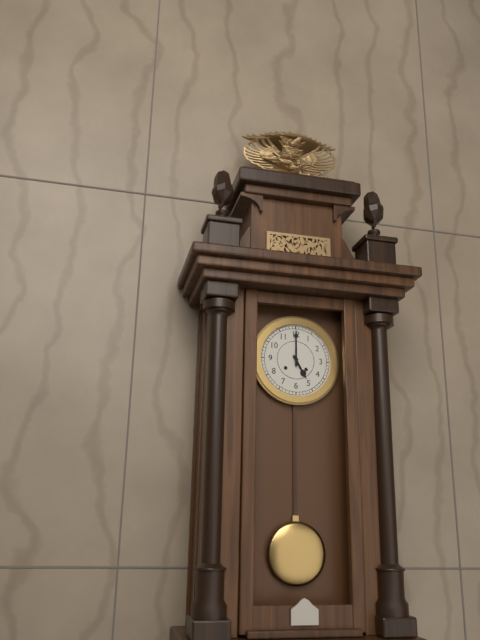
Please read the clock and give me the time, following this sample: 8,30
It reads 5,00
